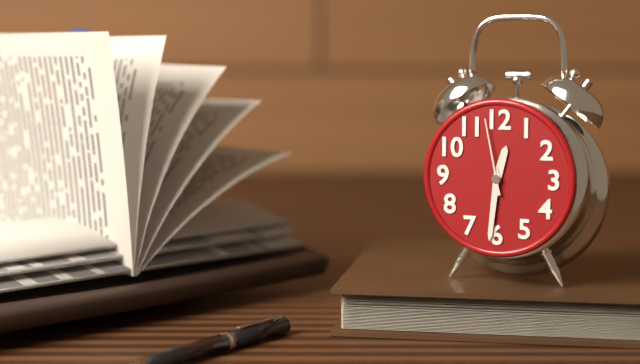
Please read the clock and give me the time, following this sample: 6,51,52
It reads 12,31,58
